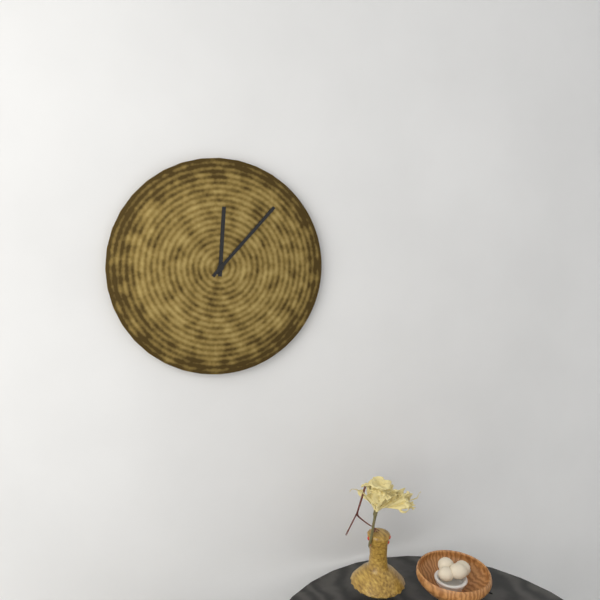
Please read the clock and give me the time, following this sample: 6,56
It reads 12,07
